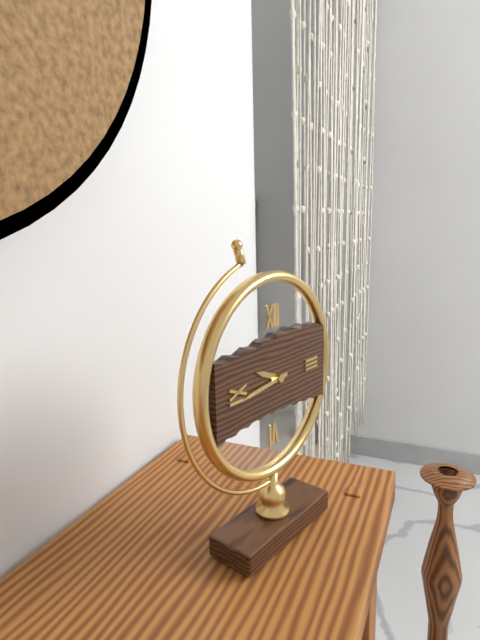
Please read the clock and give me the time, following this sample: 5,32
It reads 9,44
